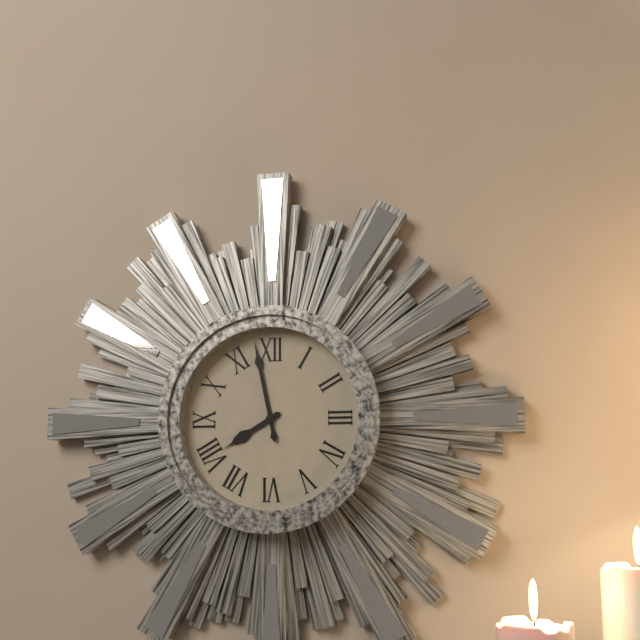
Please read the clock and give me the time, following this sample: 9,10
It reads 7,58
